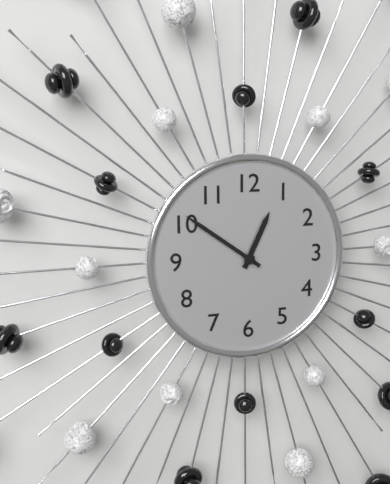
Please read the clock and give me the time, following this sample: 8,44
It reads 12,51
